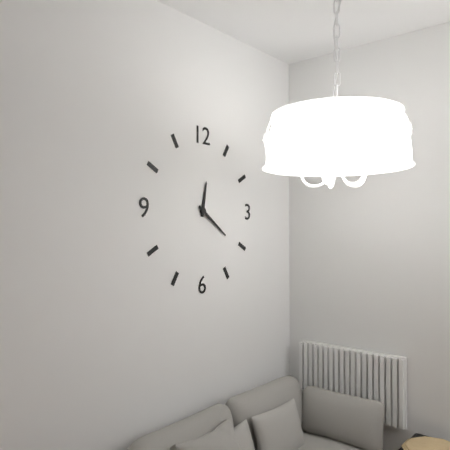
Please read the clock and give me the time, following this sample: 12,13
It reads 12,21
